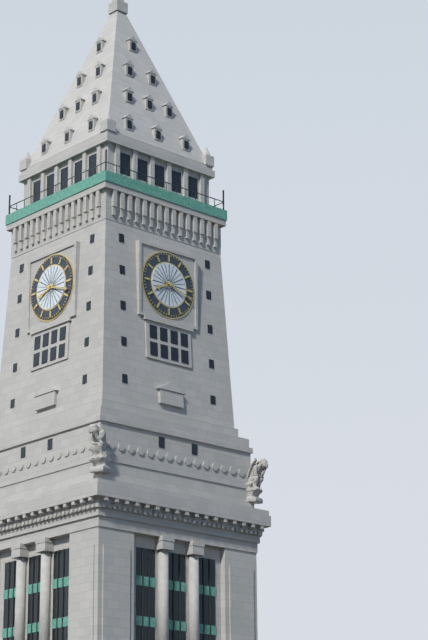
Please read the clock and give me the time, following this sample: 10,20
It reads 8,18
